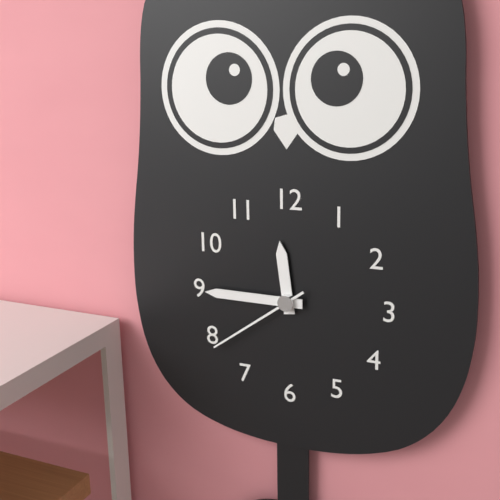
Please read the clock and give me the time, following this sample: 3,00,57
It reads 11,45,39
